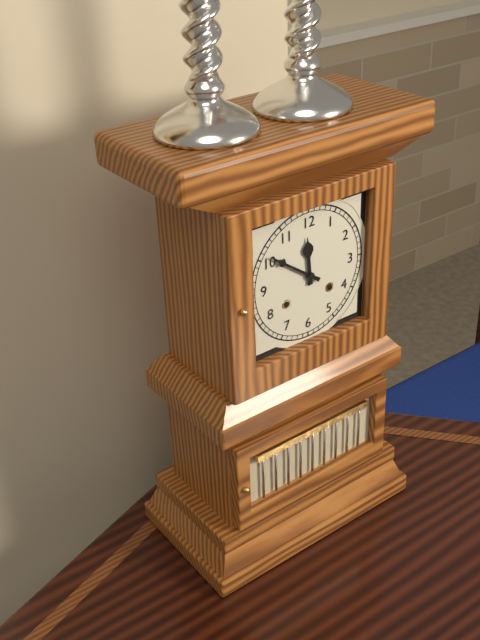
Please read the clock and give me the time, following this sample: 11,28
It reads 11,51
